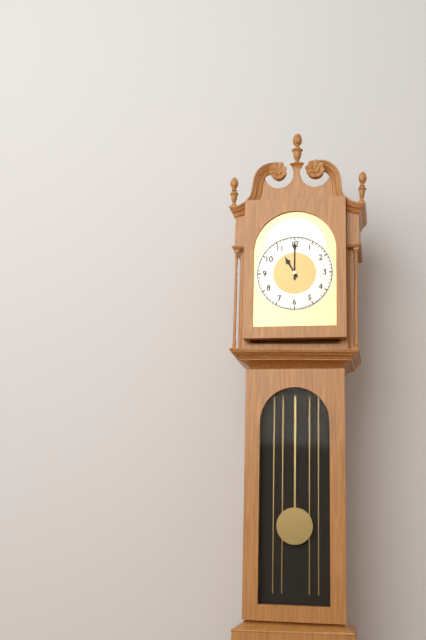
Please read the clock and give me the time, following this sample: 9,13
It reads 11,00
